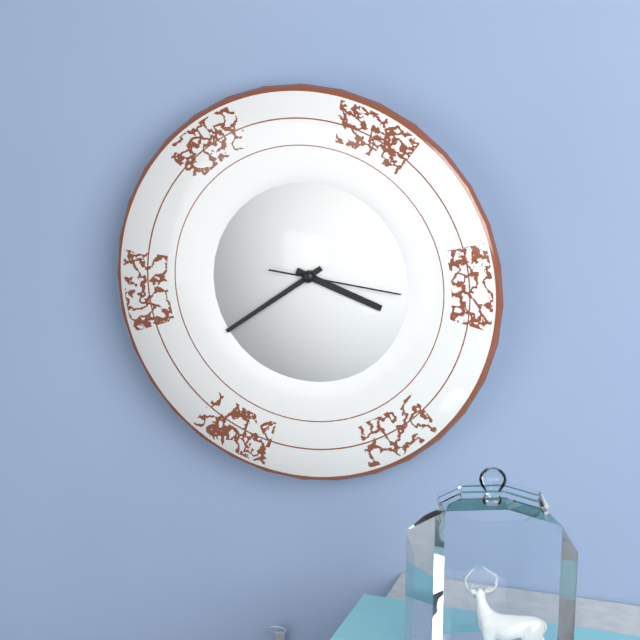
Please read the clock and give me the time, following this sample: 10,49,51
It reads 3,39,16
